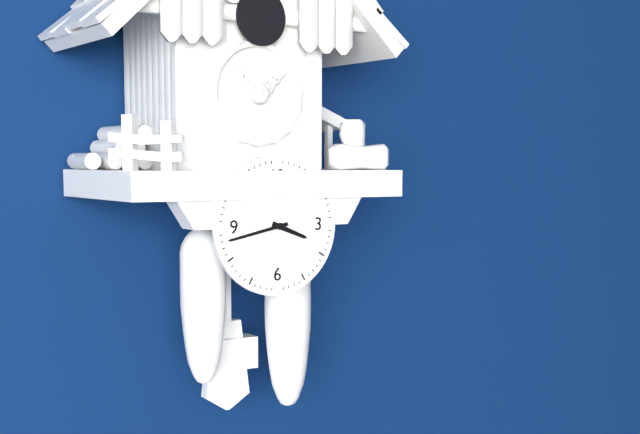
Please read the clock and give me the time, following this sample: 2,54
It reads 3,43
